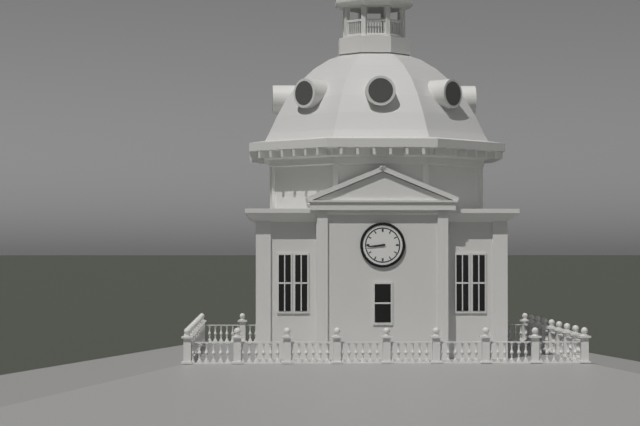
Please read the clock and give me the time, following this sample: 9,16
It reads 8,44
